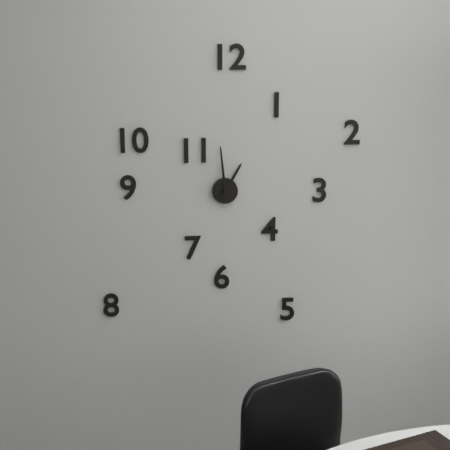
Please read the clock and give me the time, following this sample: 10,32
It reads 12,59
